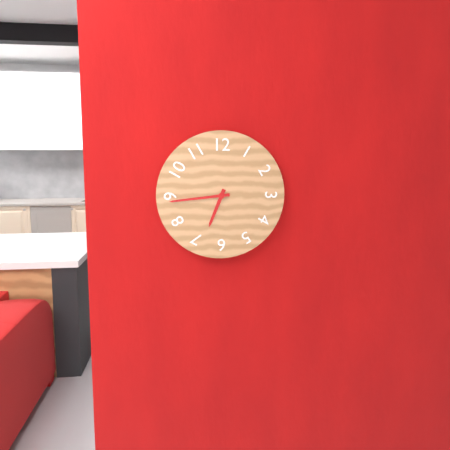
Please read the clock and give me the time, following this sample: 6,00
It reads 6,44
